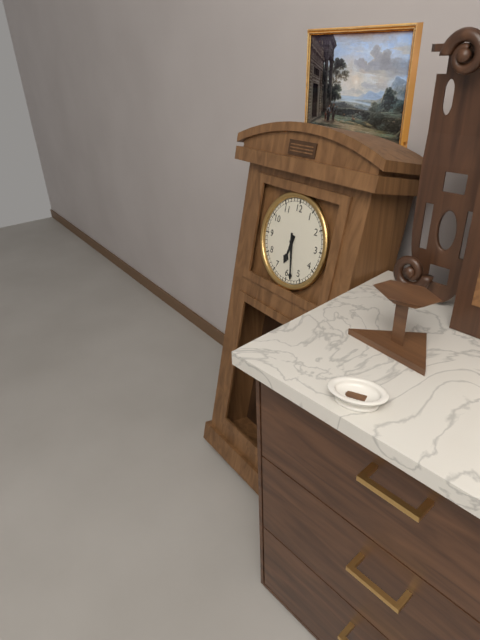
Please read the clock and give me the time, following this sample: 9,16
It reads 6,28
